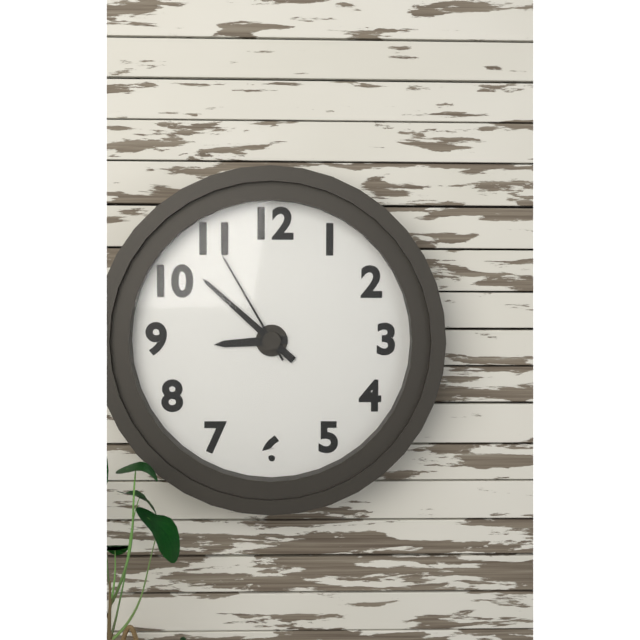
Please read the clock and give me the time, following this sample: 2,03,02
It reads 8,52,55
